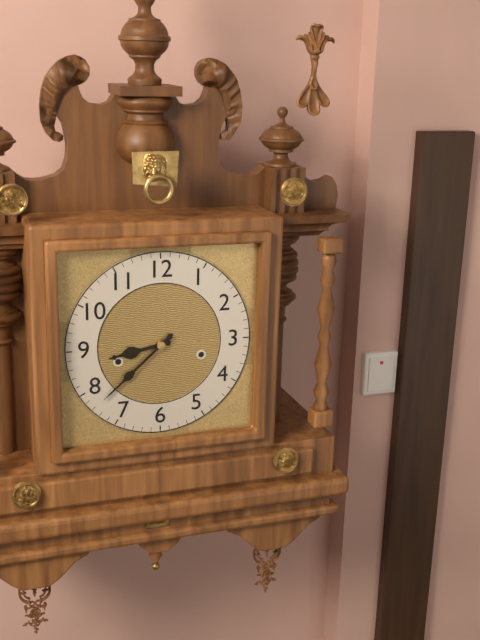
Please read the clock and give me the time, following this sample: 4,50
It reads 8,38
